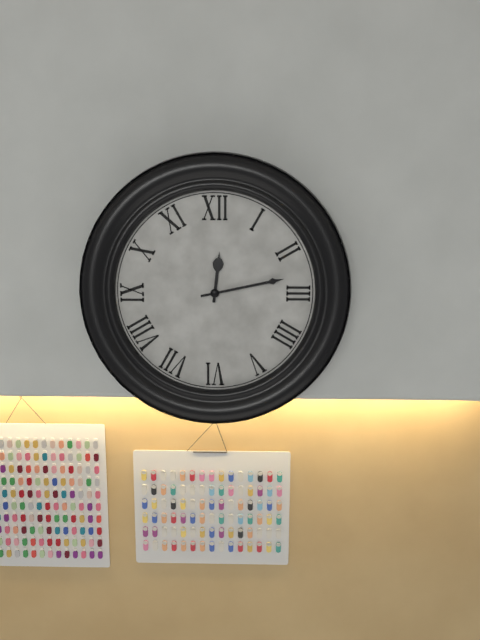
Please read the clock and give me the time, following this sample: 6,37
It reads 12,13
